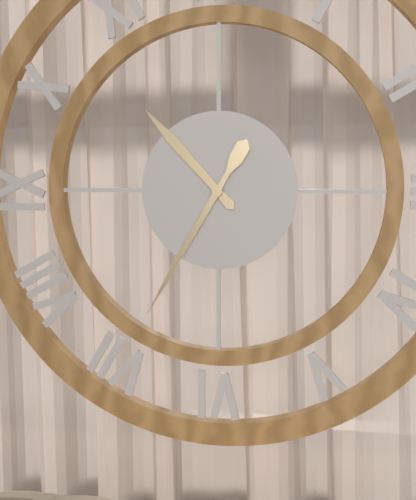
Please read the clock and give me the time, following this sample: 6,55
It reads 10,35
